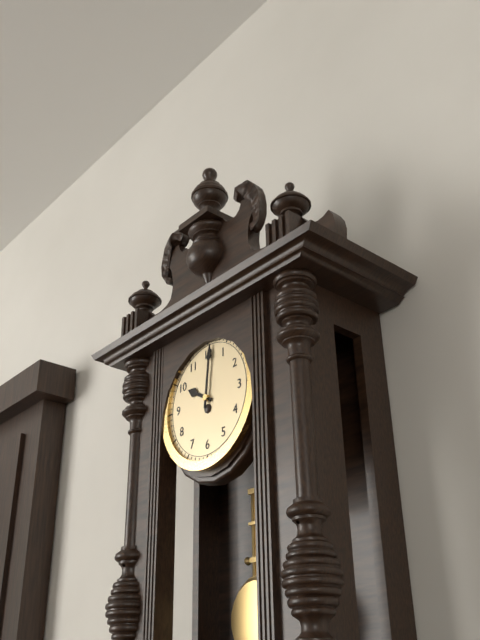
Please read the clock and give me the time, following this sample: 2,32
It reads 10,01
